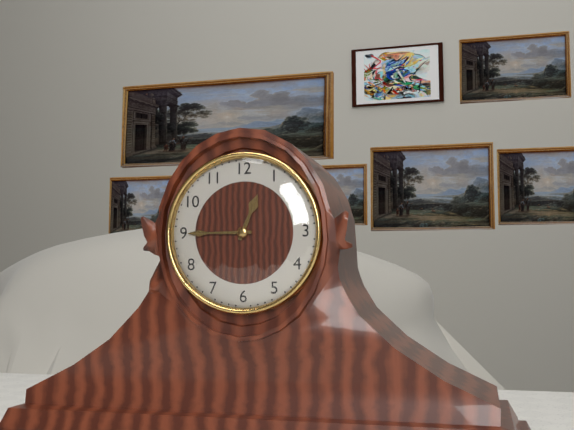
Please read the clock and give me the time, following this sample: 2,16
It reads 12,45
